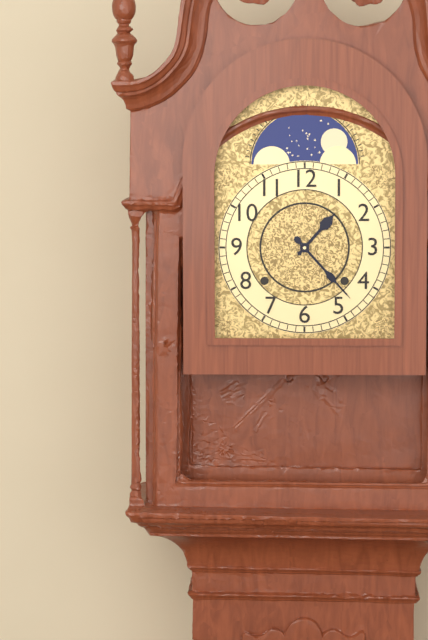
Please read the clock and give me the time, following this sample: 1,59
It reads 1,23
